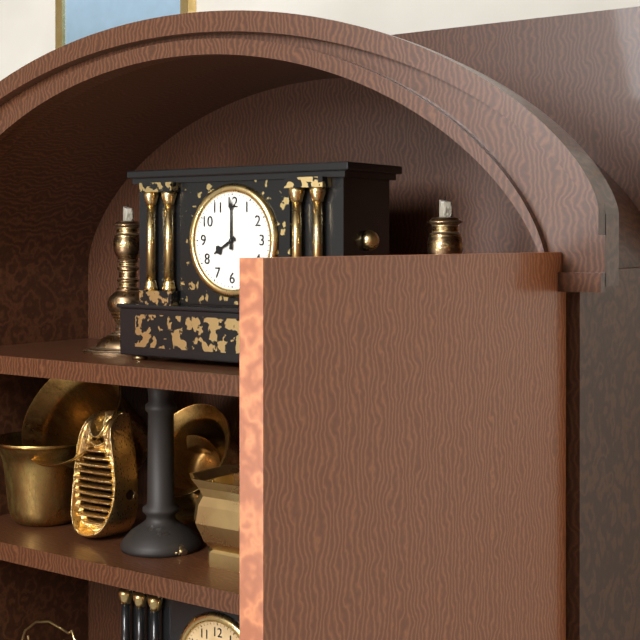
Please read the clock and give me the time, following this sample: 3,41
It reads 8,00
